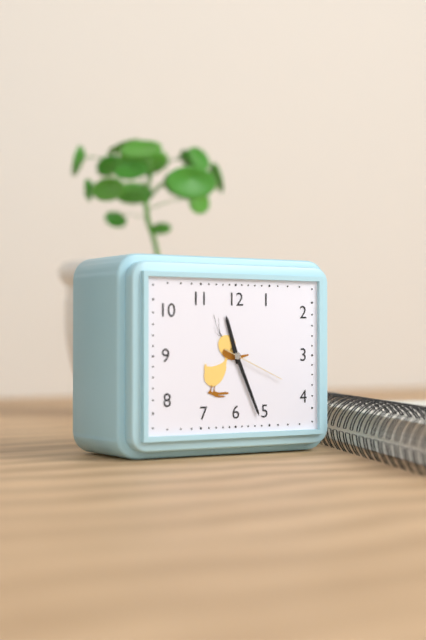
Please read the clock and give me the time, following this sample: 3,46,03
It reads 11,26,19
